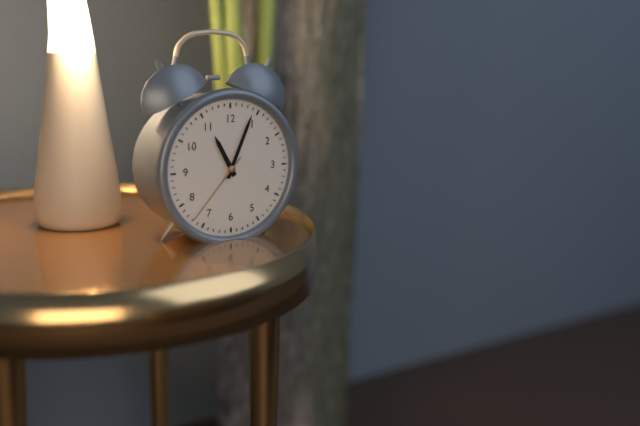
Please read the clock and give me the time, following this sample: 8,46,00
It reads 11,04,37
